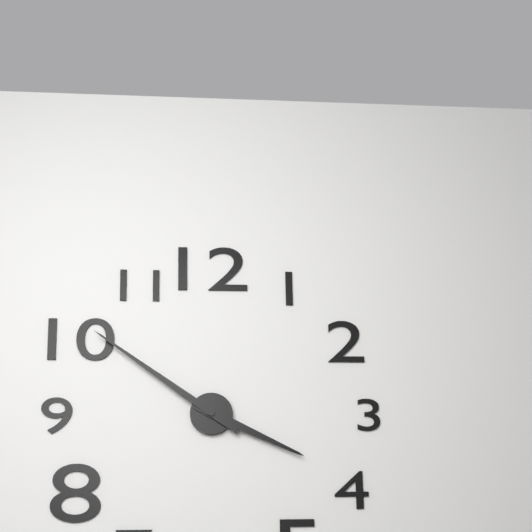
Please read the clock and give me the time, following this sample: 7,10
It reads 3,51
